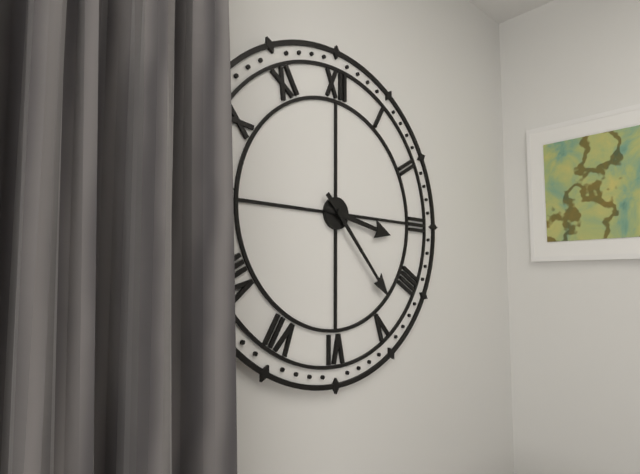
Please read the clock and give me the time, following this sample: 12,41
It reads 3,23
